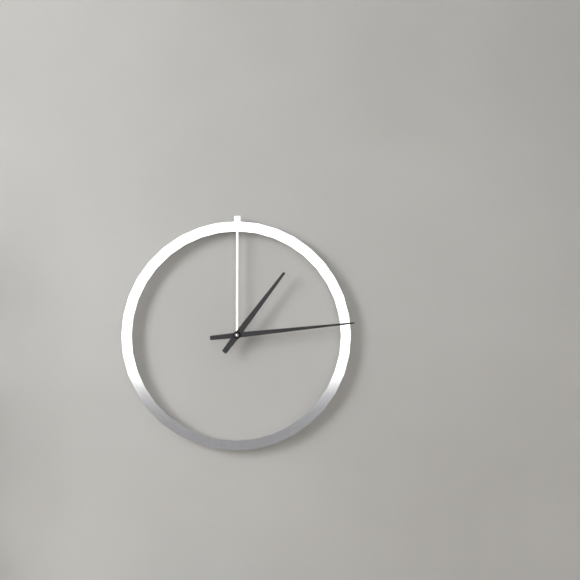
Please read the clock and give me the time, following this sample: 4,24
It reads 1,14
